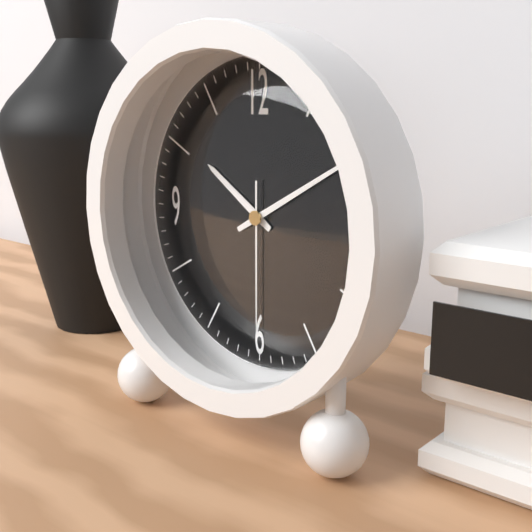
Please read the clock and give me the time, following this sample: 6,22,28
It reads 10,10,30
